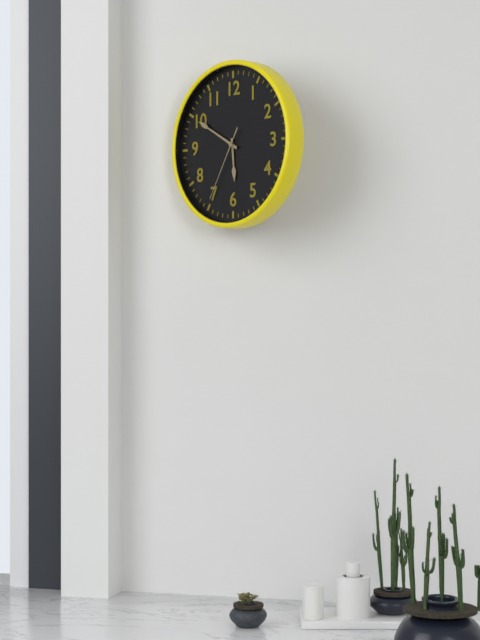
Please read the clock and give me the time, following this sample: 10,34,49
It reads 5,50,35
